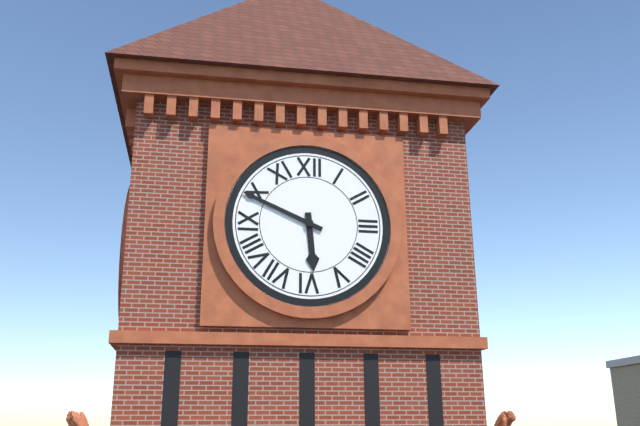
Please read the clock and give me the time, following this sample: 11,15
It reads 5,49
